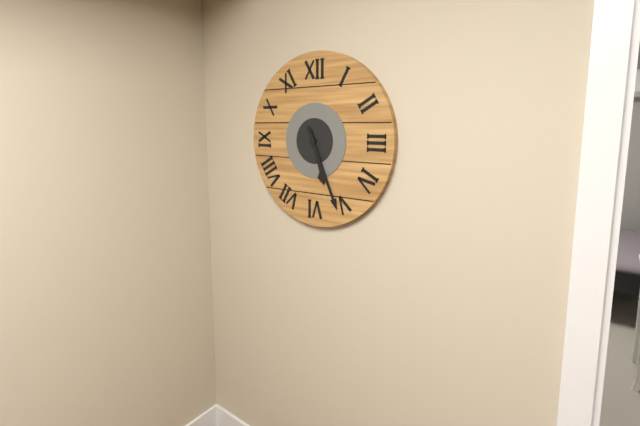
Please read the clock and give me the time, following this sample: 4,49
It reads 5,26
